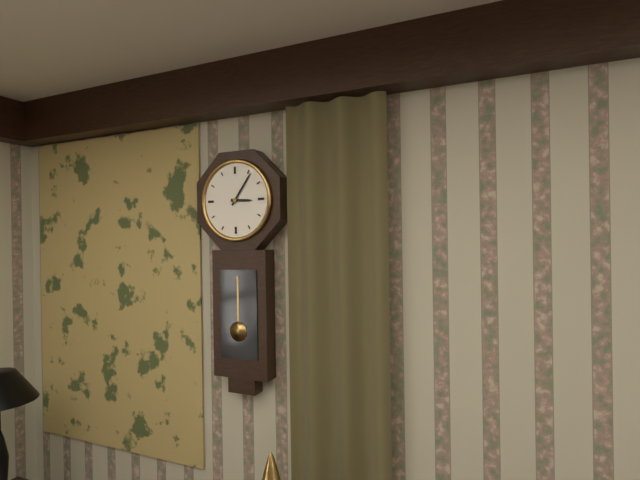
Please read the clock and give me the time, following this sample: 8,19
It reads 3,06
